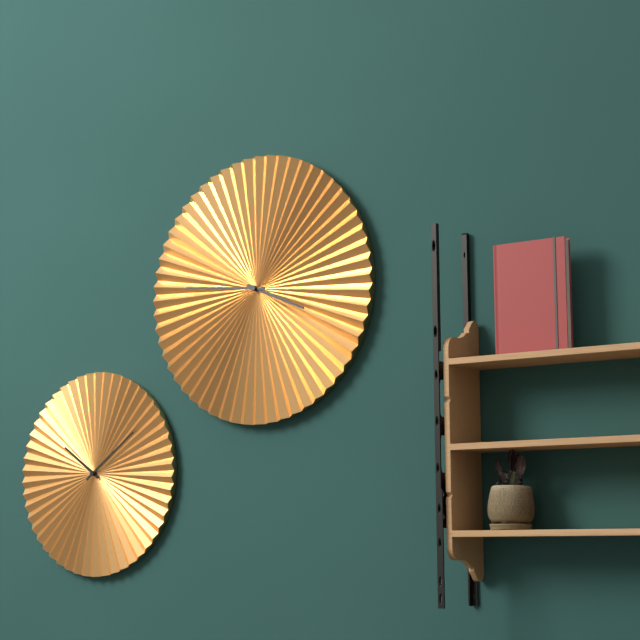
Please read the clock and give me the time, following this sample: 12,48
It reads 3,46
